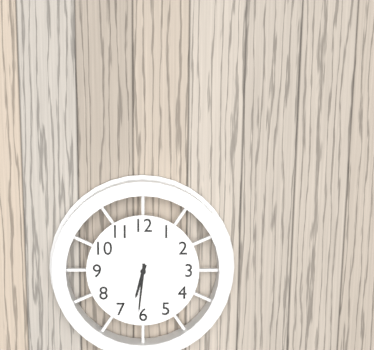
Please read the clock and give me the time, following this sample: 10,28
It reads 6,31
